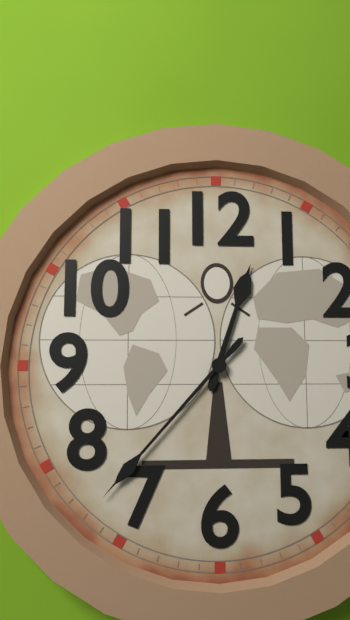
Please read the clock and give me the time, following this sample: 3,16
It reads 12,37
